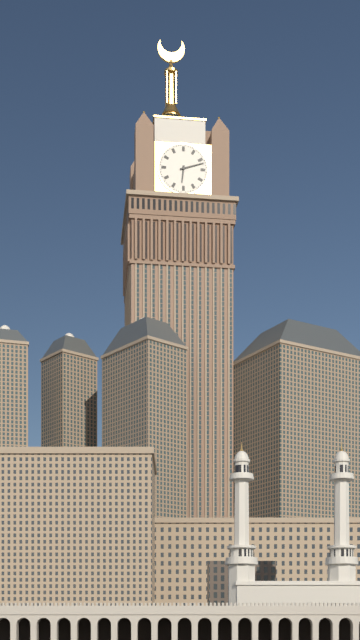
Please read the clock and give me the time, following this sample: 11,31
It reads 6,12
